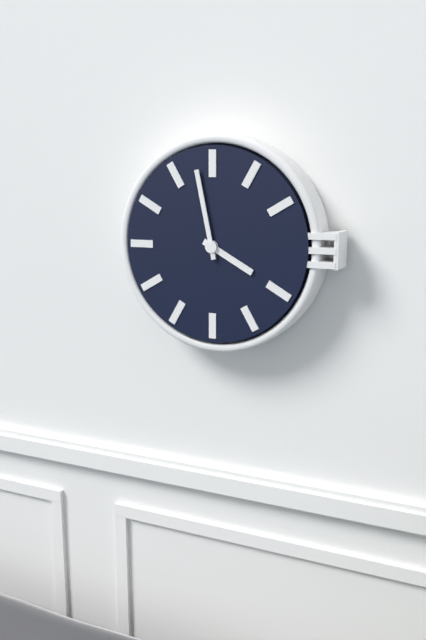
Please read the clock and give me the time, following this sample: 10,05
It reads 3,58
